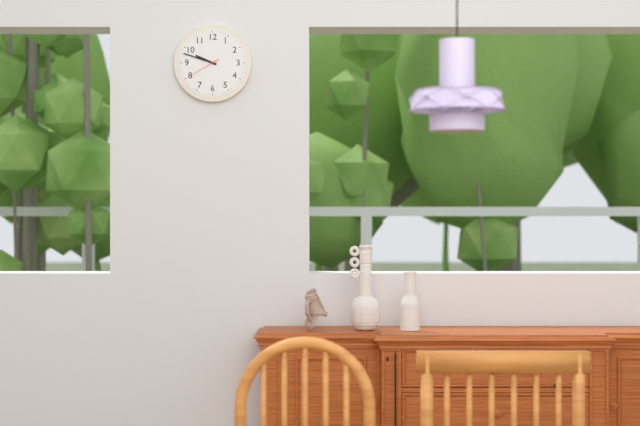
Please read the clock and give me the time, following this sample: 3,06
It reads 9,48
